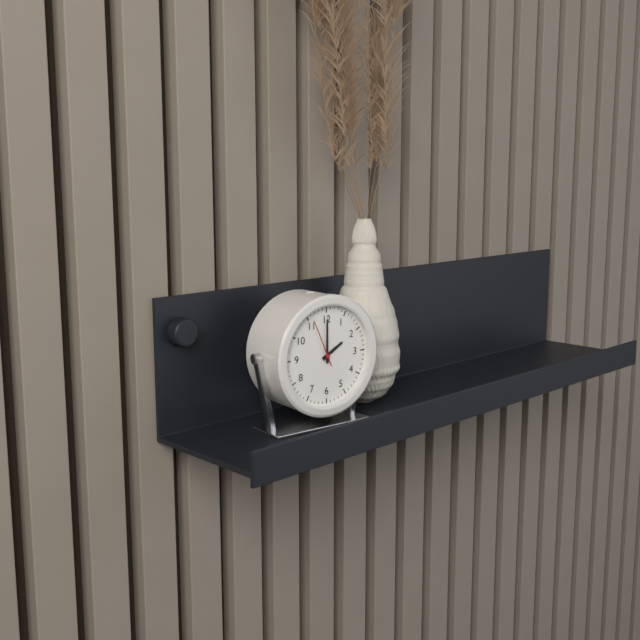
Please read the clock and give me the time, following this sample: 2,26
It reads 2,00
